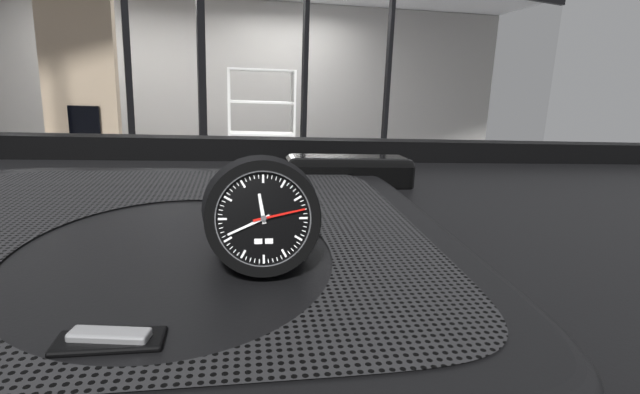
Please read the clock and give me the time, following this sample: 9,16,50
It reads 11,41,13
